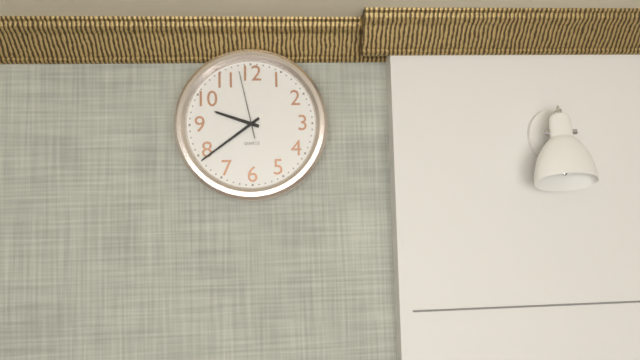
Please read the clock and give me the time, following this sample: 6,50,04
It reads 9,39,58
